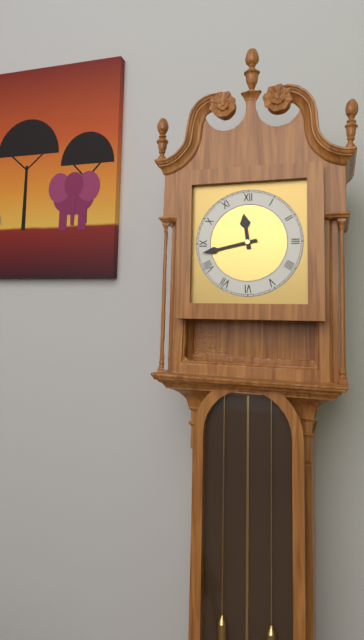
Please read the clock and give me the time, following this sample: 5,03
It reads 11,43
